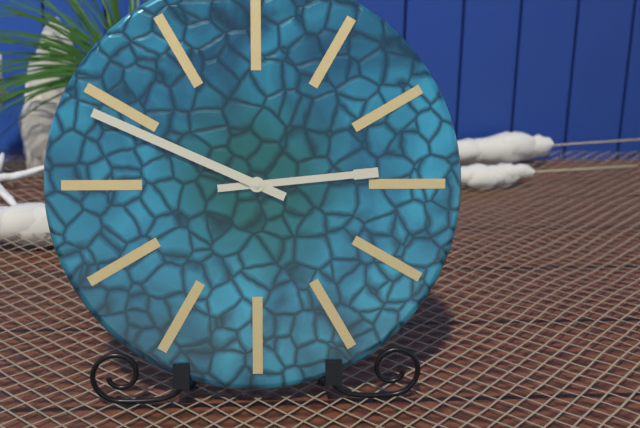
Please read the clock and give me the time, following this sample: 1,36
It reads 2,49
